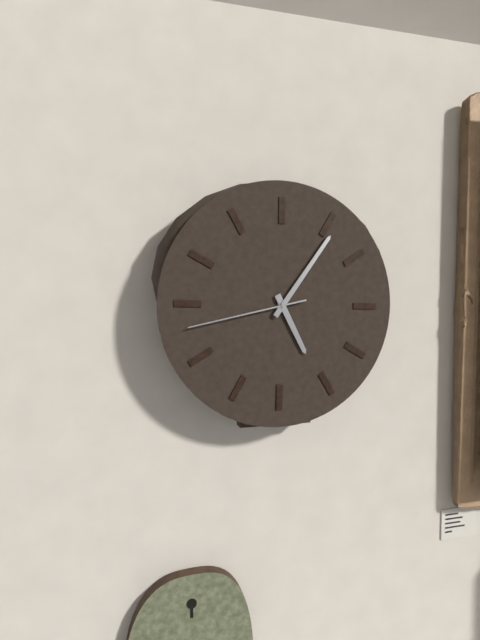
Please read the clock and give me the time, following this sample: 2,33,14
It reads 5,06,43
